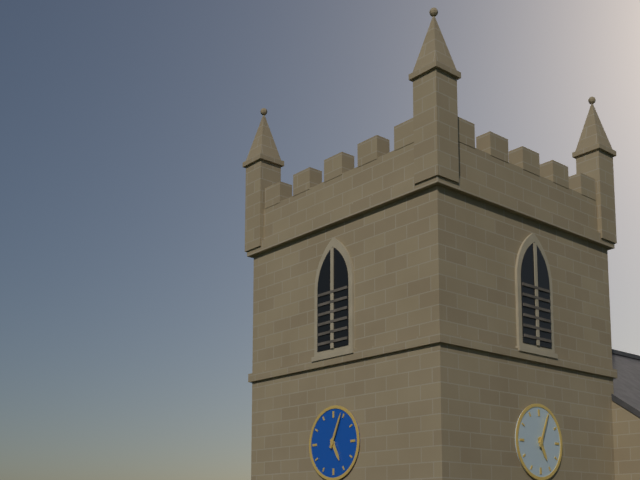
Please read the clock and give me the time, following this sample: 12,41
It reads 5,04
